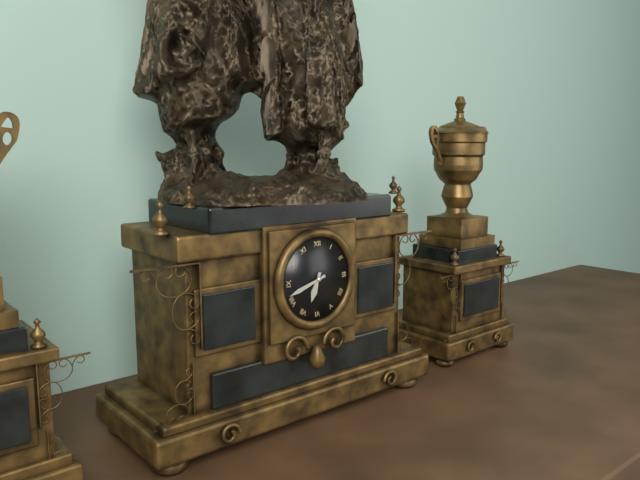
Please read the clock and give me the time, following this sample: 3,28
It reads 6,42
